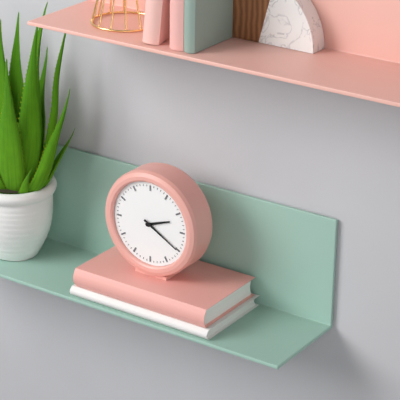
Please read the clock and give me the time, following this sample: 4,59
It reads 2,20
